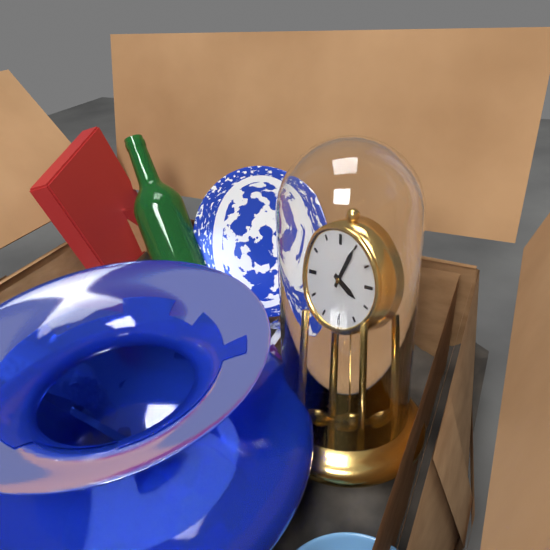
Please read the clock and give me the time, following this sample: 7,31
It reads 4,05
